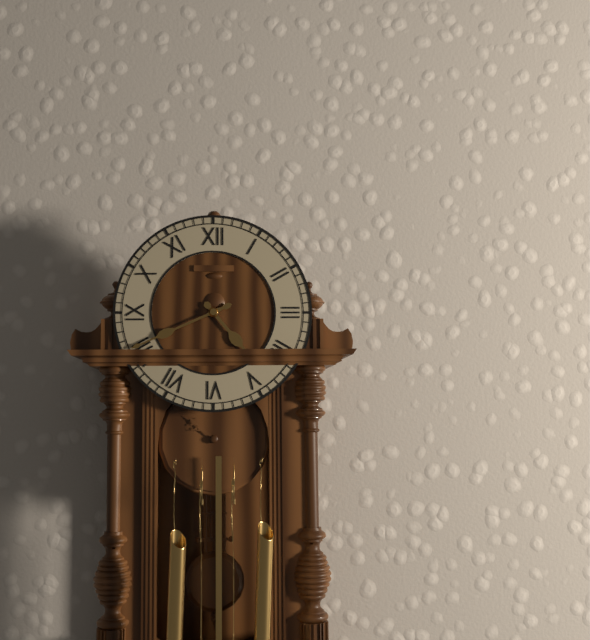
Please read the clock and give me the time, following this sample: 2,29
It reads 4,41
